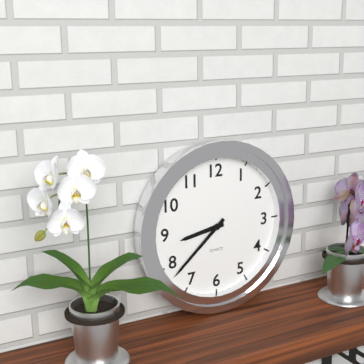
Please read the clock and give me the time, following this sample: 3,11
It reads 8,38
